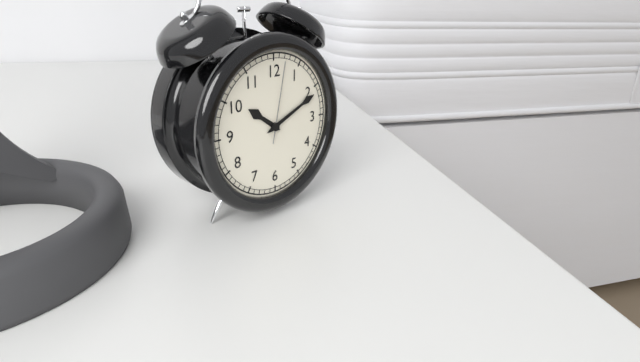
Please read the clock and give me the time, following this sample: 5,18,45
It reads 10,11,02
